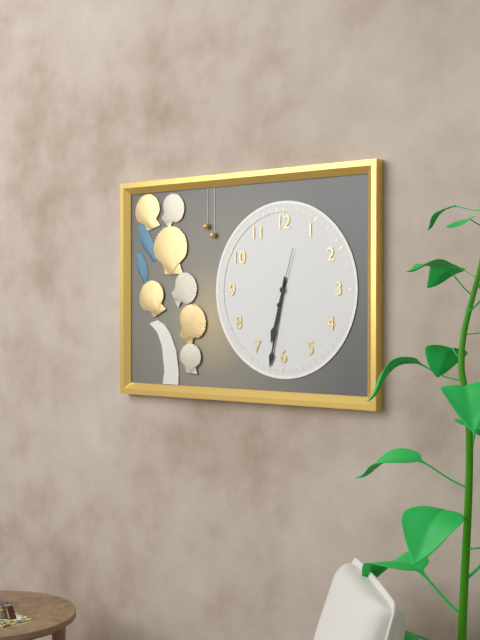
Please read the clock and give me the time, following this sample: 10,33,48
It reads 6,32,03
